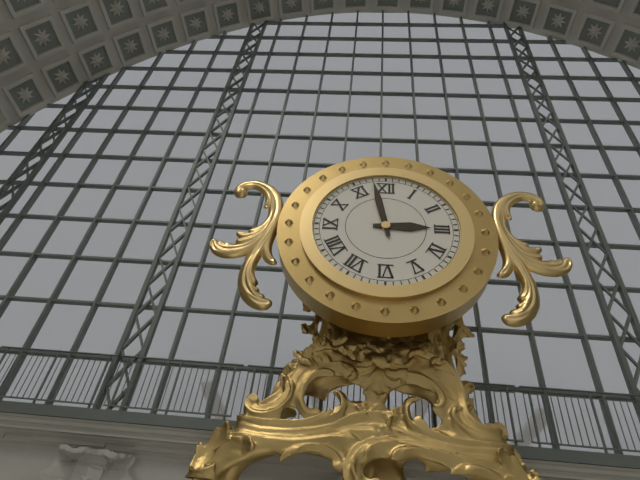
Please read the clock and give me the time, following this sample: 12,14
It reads 2,58
